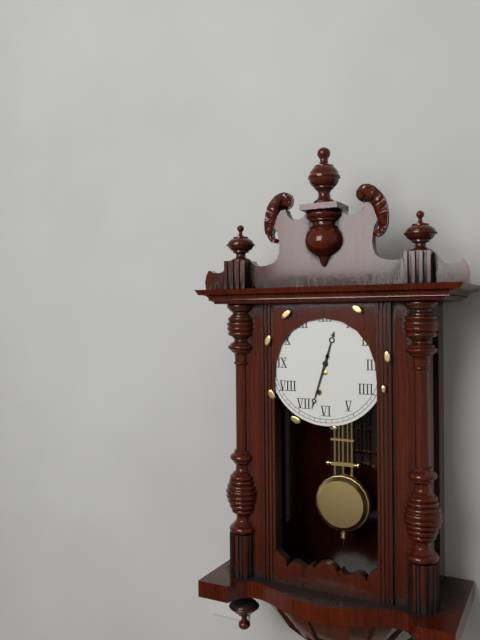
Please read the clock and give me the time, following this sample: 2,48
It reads 12,33
